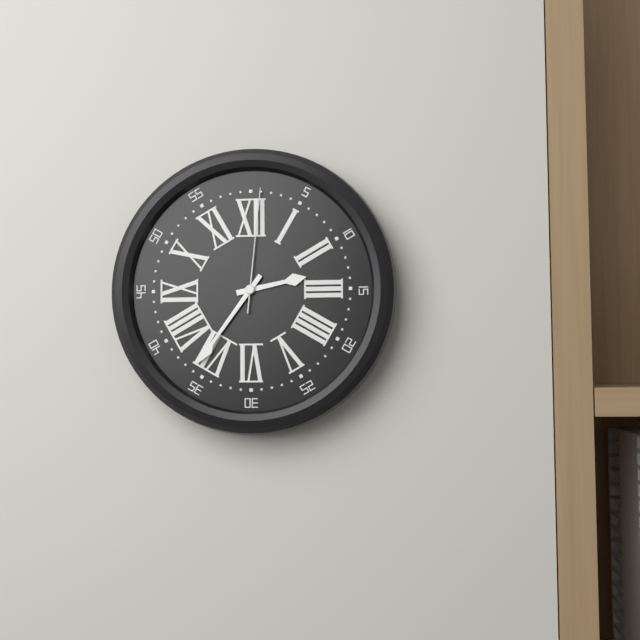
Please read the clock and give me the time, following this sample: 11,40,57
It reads 2,36,01
